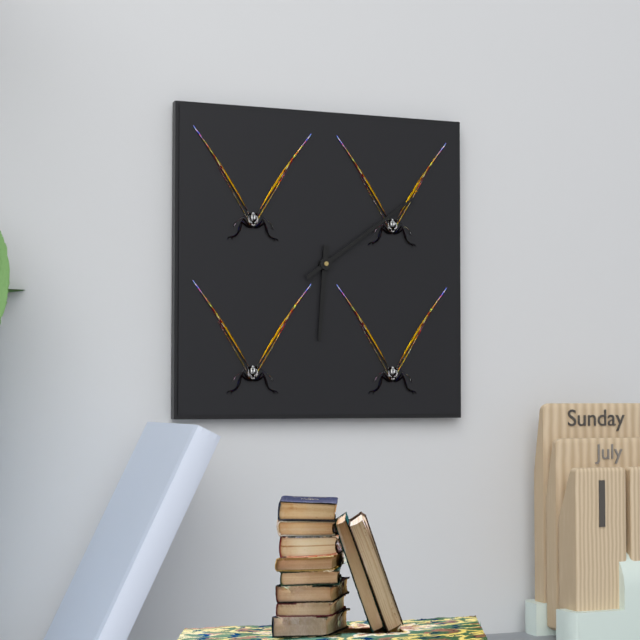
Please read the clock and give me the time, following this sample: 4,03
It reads 6,09
